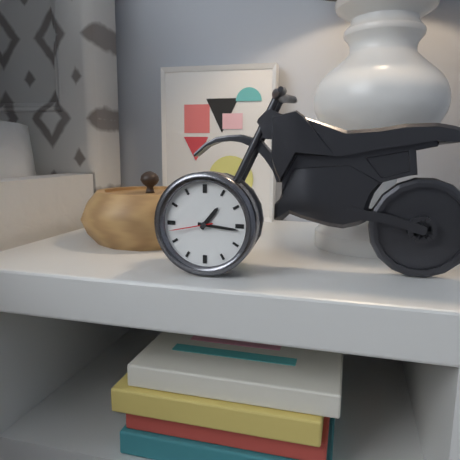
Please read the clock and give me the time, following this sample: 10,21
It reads 1,16
